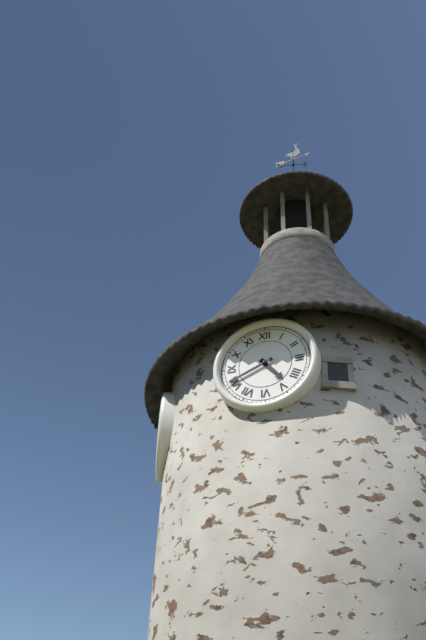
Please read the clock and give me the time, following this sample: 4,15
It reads 4,41
